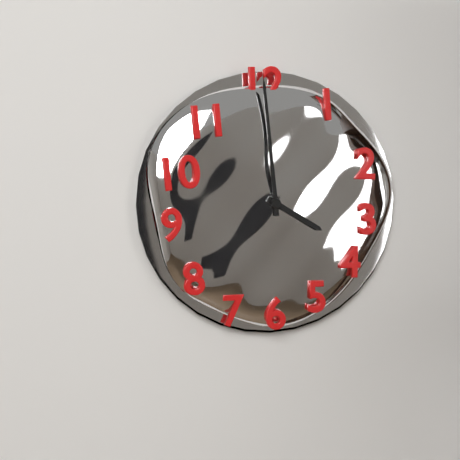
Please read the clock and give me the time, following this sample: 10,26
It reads 3,59
